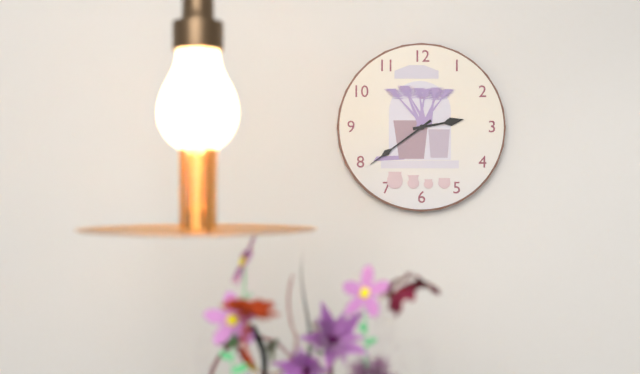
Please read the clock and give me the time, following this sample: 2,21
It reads 2,39
